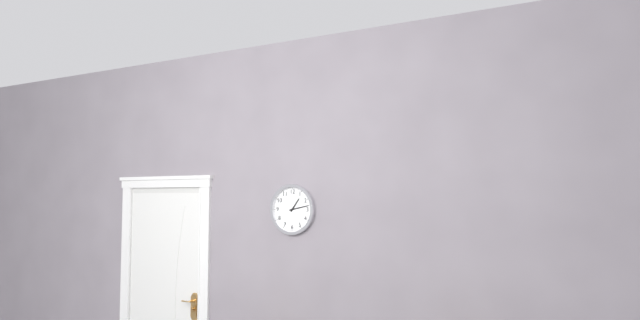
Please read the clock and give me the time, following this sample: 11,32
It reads 1,13
